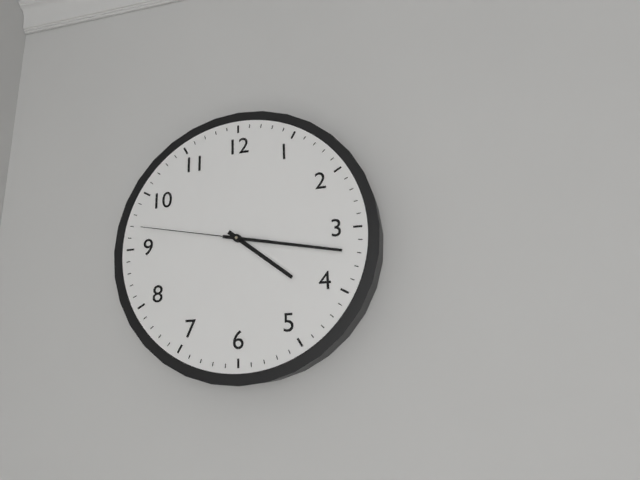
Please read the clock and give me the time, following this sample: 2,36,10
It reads 4,17,47
